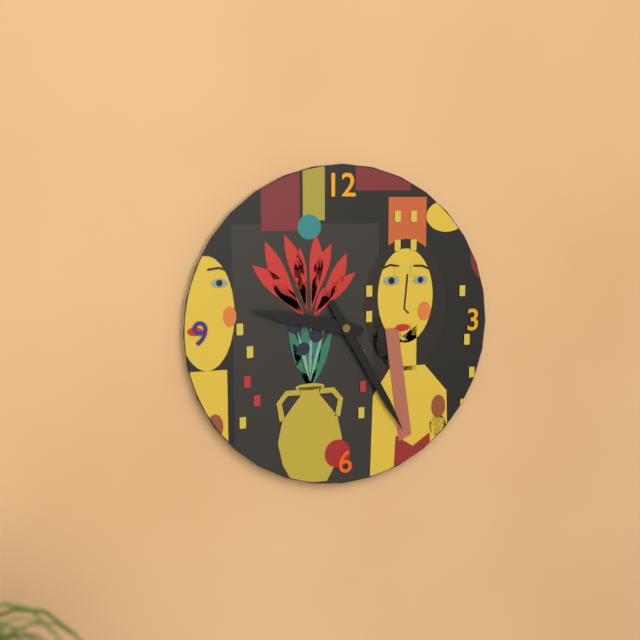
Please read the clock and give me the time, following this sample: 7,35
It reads 9,25
